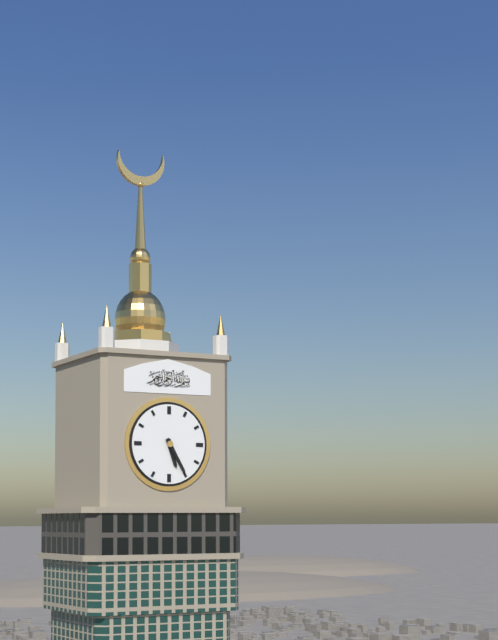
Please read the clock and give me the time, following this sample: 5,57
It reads 5,25
